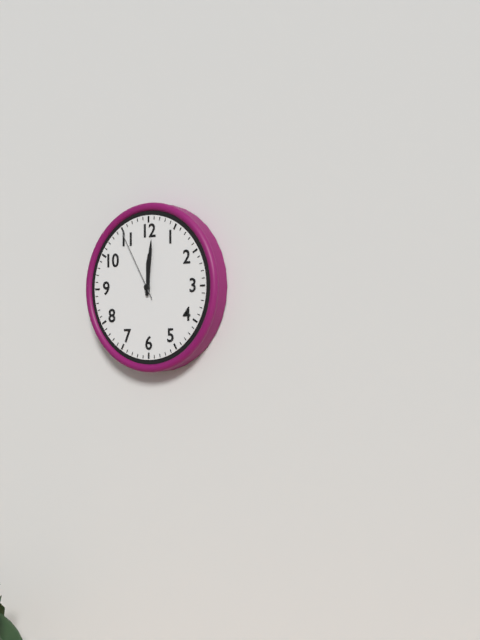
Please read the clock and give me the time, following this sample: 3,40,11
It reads 12,01,55
